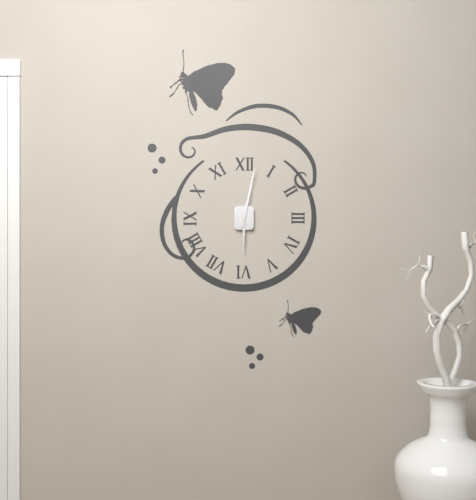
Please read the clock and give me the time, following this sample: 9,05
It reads 6,02
